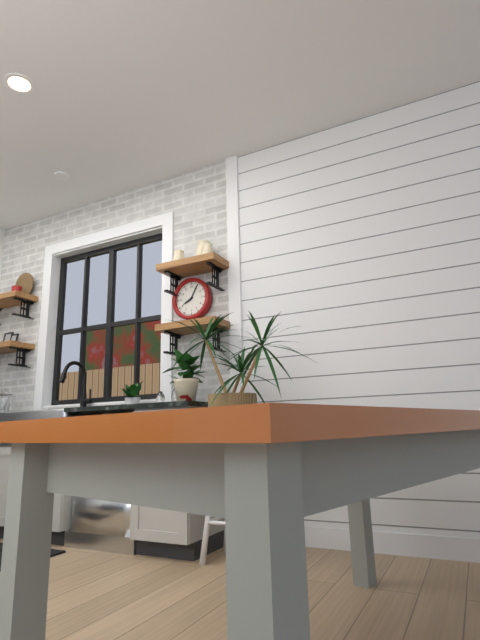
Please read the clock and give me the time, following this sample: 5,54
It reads 8,05
